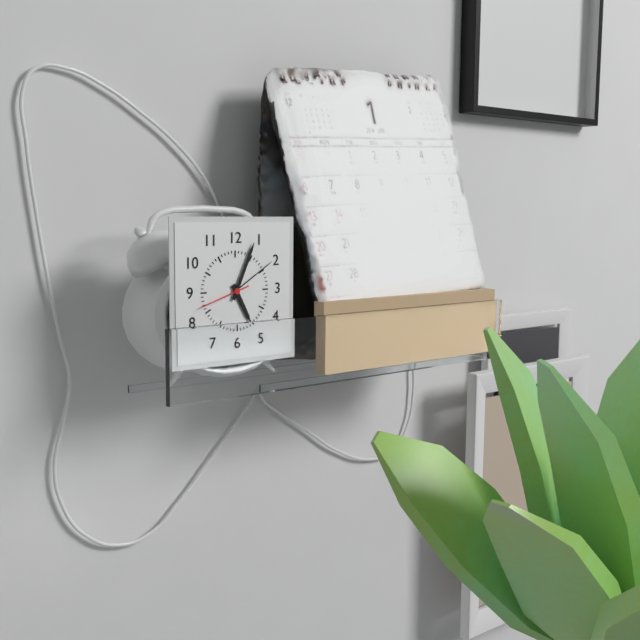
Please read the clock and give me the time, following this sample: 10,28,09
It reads 5,04,42
